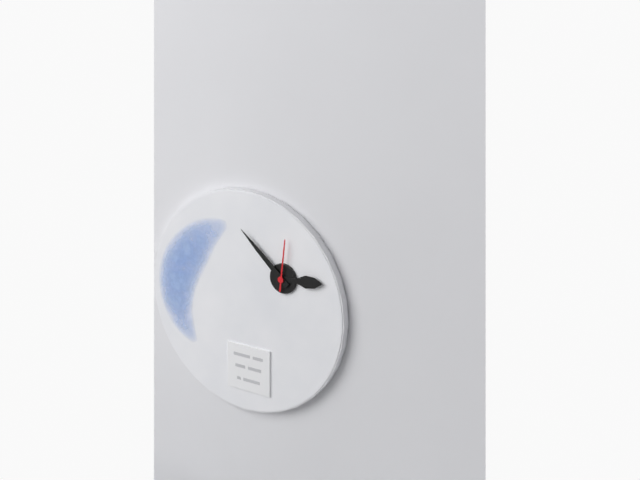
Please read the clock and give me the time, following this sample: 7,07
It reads 2,52
